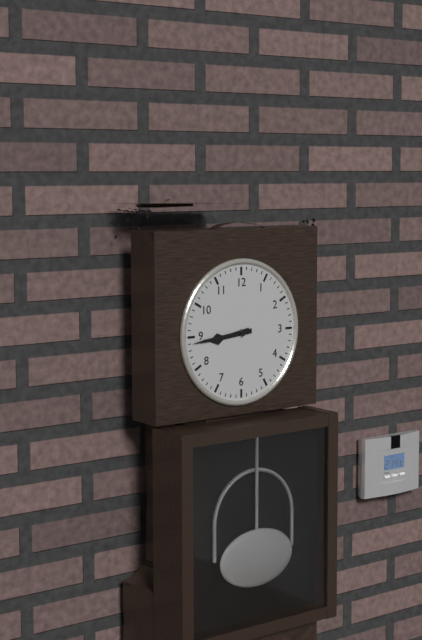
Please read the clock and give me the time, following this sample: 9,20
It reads 8,44
